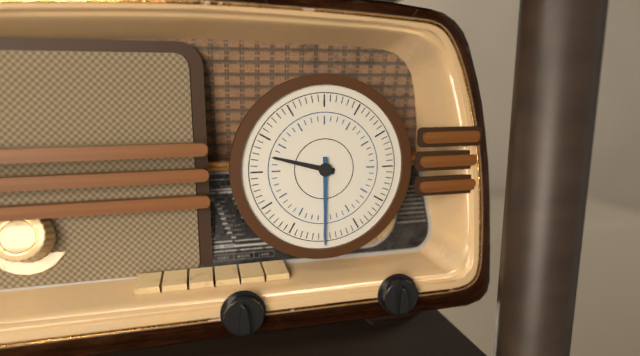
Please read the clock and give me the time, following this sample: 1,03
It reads 9,30
